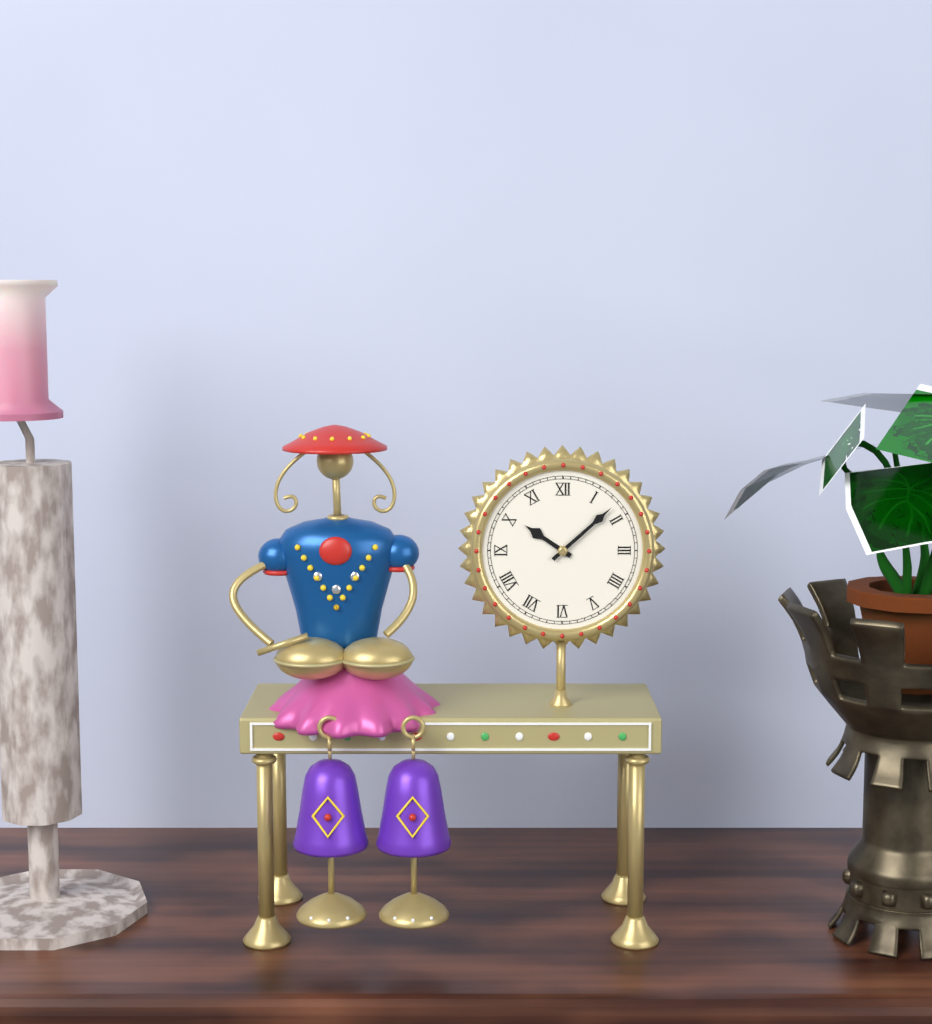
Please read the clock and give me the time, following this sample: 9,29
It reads 10,08
